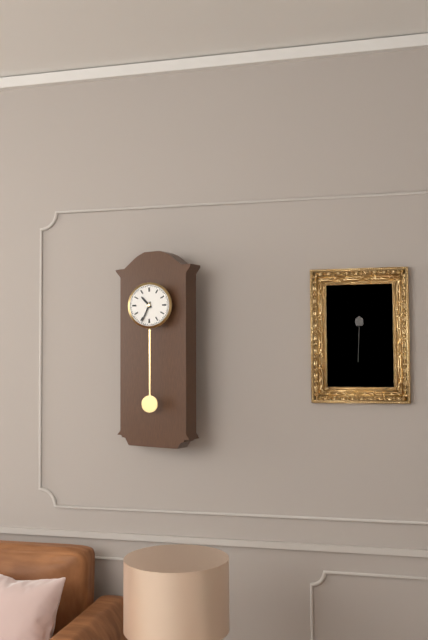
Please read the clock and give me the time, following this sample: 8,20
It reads 10,34
